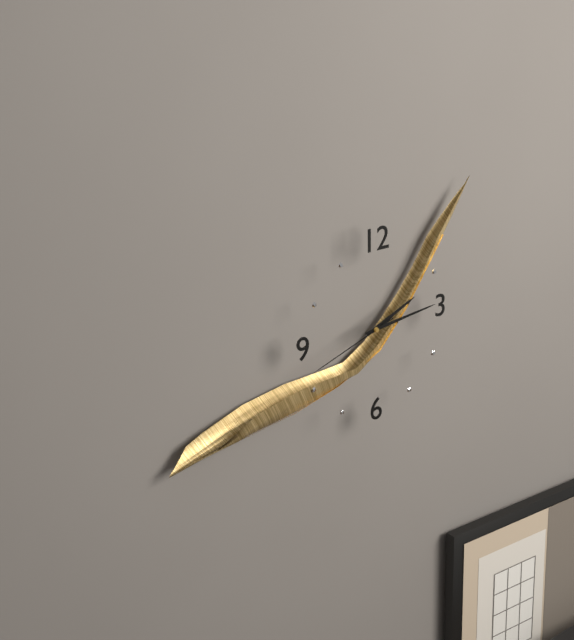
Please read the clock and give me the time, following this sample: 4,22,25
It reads 2,14,42
